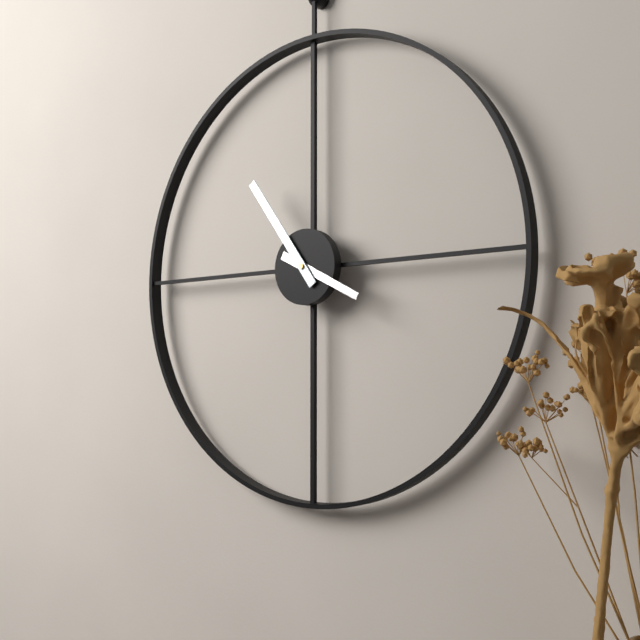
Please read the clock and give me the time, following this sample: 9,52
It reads 3,54
